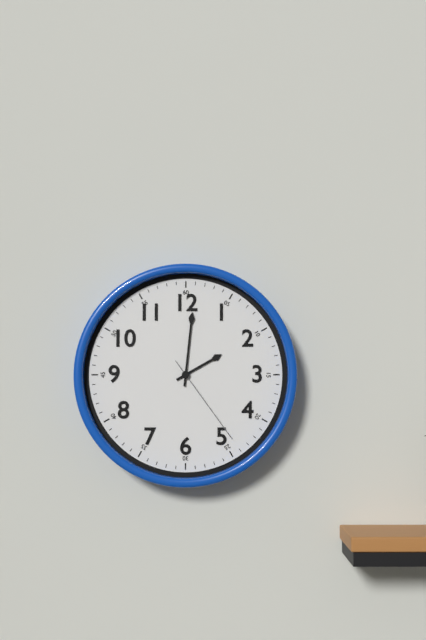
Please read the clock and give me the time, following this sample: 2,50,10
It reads 2,01,24
